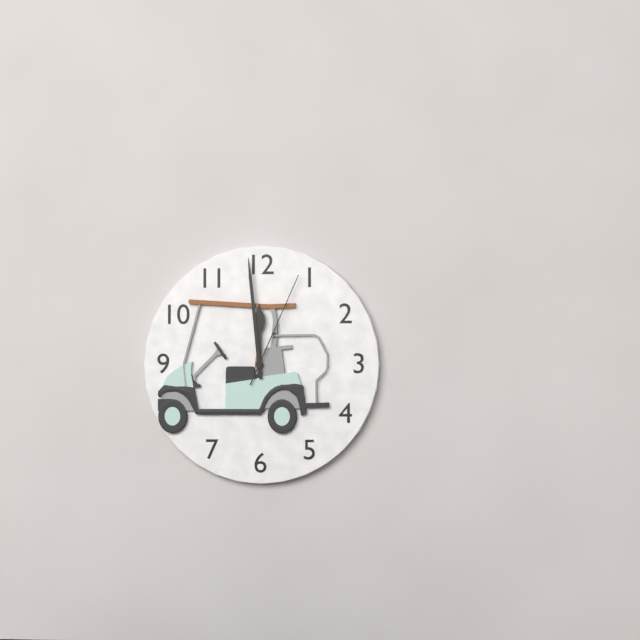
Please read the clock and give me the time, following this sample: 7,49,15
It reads 11,59,04
